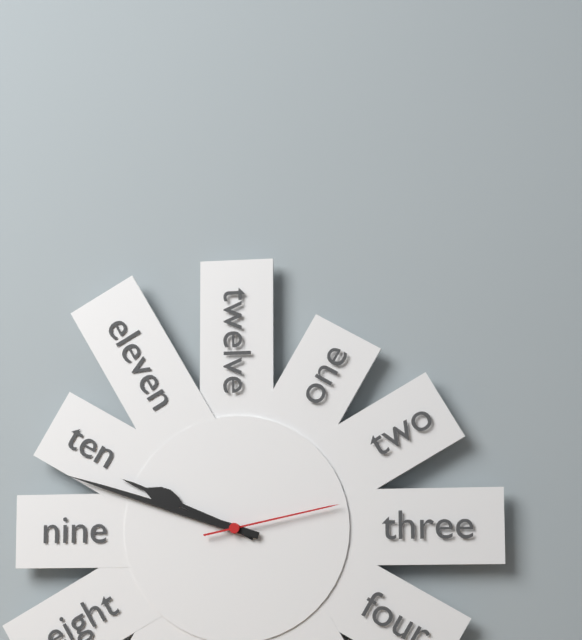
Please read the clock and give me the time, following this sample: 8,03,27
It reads 9,48,13
